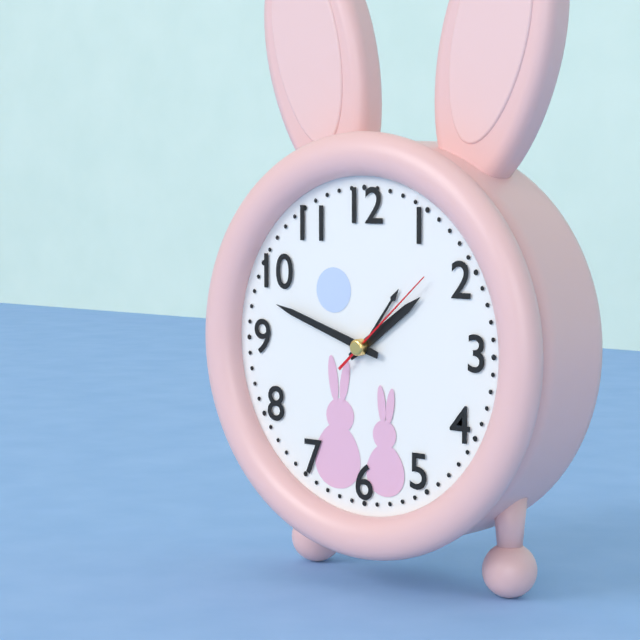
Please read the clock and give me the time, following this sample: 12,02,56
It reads 1,48,08
